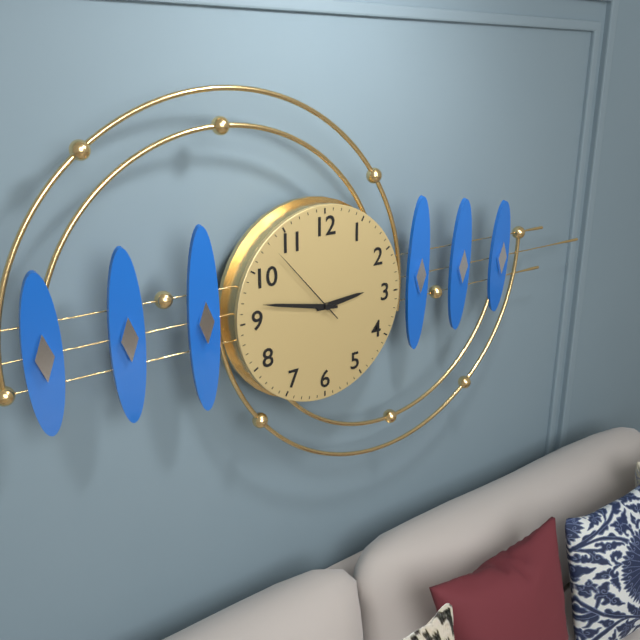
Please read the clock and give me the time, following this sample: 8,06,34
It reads 2,47,53
